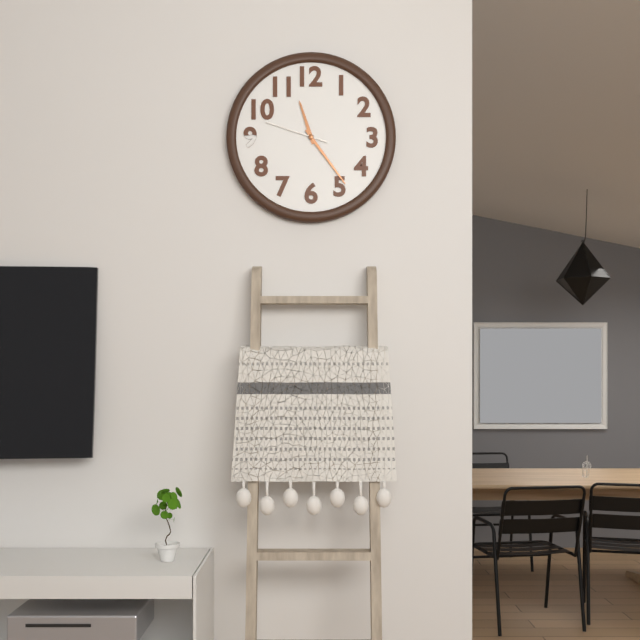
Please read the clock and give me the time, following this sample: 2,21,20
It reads 11,24,48
